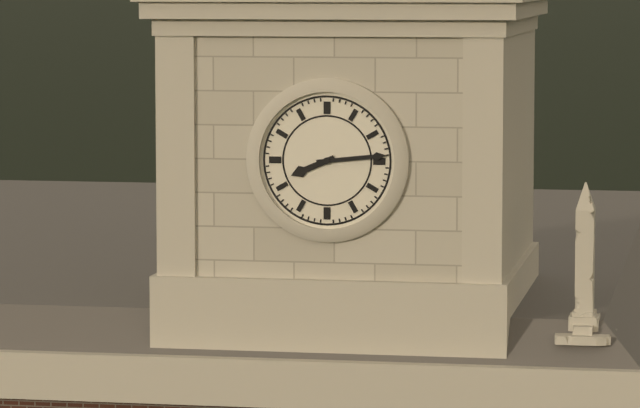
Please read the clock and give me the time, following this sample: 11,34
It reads 8,14
